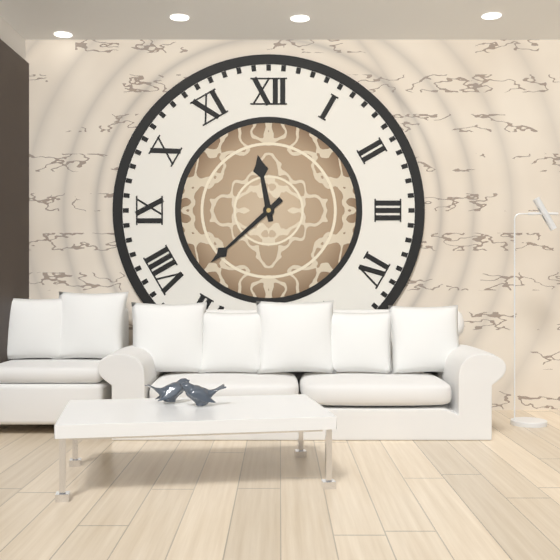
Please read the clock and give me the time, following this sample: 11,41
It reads 11,38
